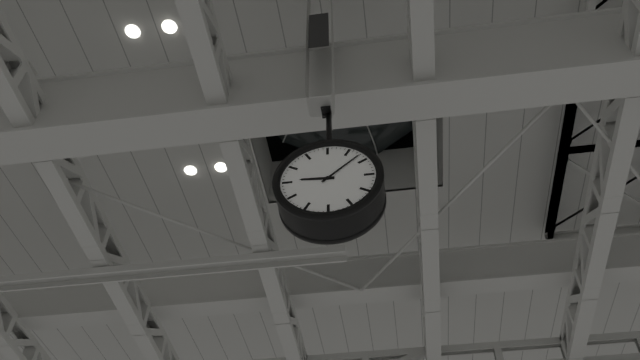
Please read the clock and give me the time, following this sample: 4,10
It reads 9,08
